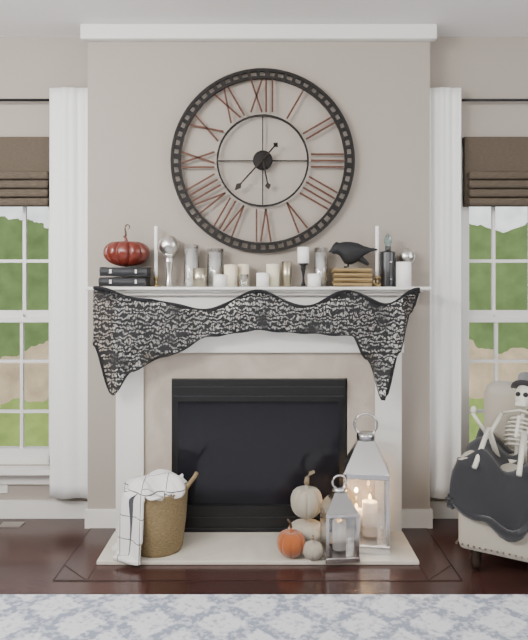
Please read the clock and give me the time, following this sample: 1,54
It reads 5,37
